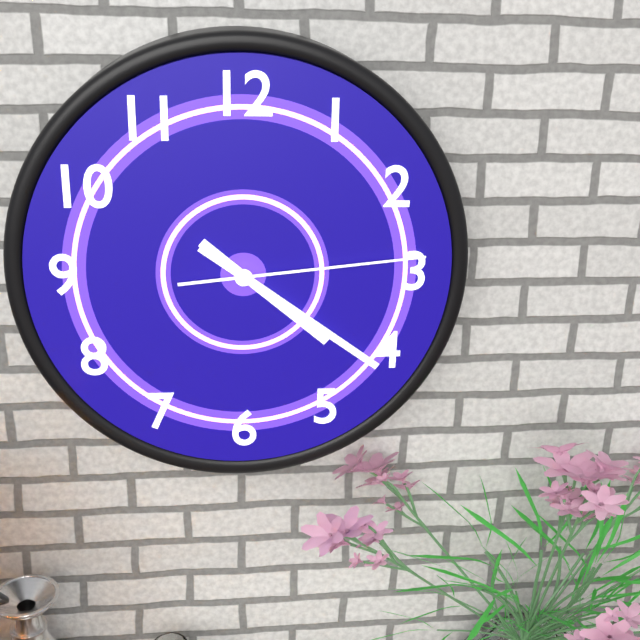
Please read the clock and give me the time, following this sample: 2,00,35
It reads 4,21,14
